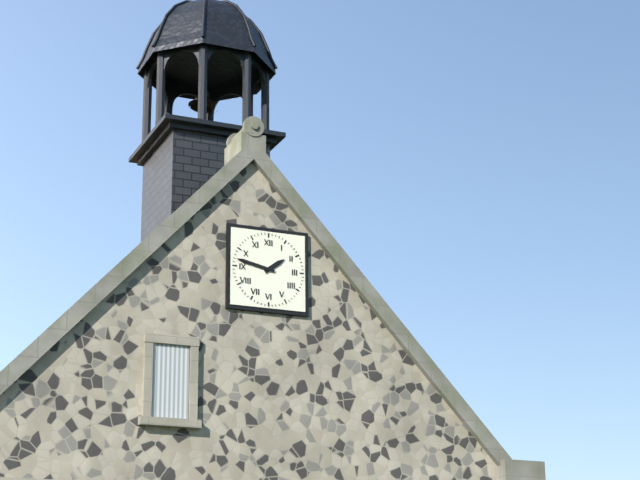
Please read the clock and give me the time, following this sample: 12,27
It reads 1,47
